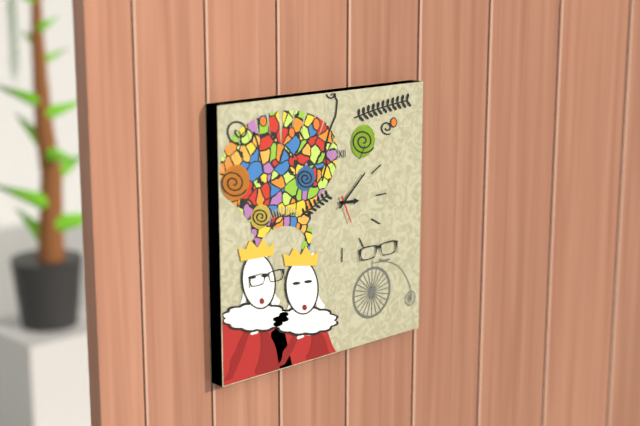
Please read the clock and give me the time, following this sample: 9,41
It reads 3,08
